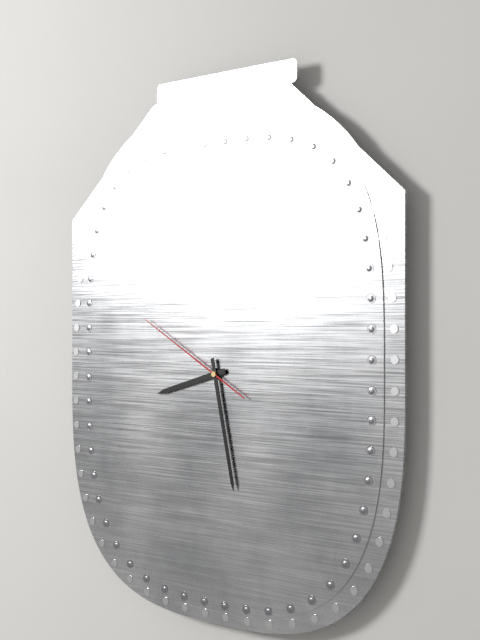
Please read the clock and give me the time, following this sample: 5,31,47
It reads 8,28,50
